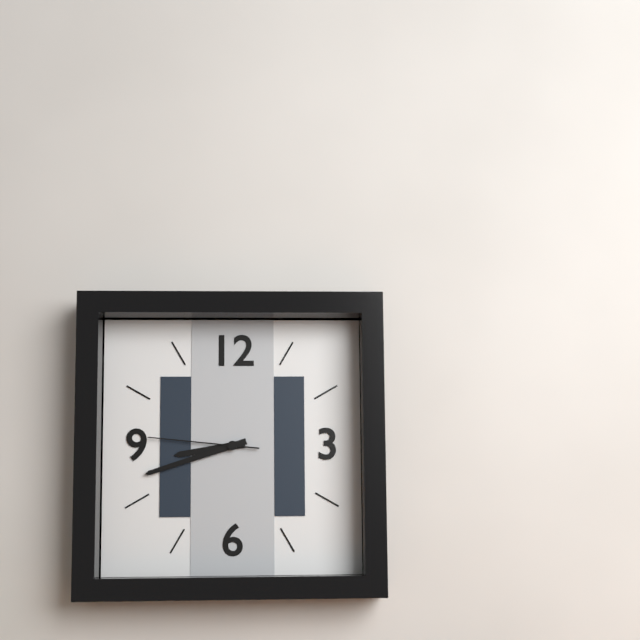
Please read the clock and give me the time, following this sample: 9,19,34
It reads 8,42,46
